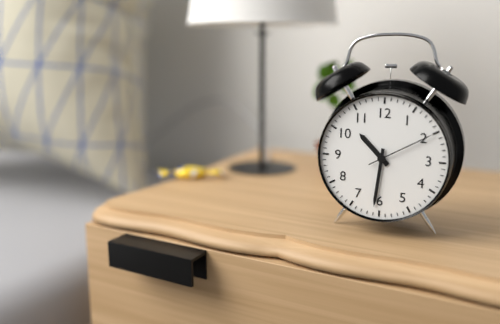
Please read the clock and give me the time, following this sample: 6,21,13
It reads 10,31,10
